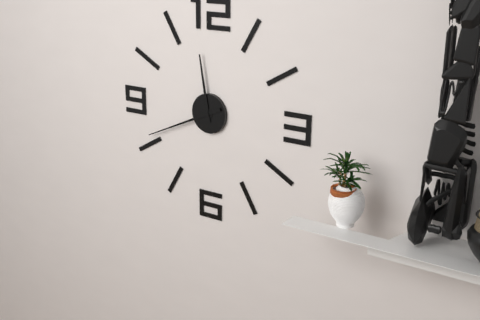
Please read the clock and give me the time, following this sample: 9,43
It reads 11,41
